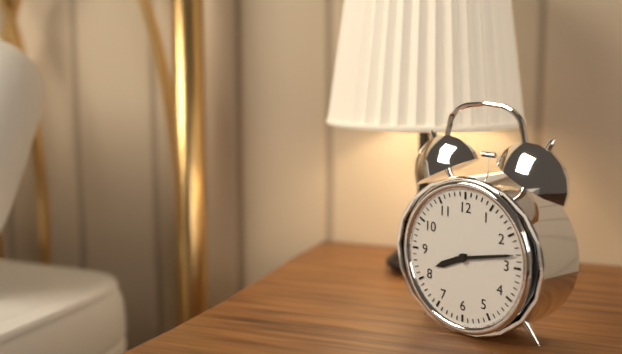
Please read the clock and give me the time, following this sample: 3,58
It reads 8,13
